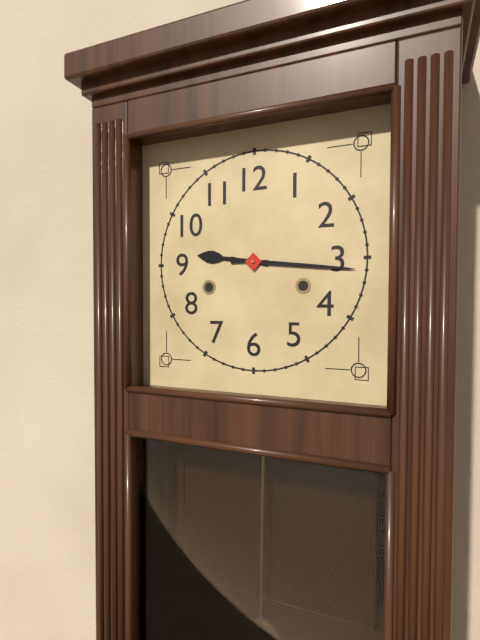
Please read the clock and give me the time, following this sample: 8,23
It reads 9,16
